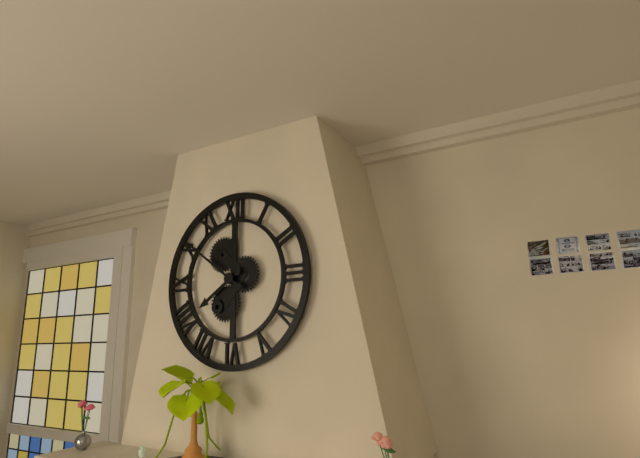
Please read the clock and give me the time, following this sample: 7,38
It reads 7,51
